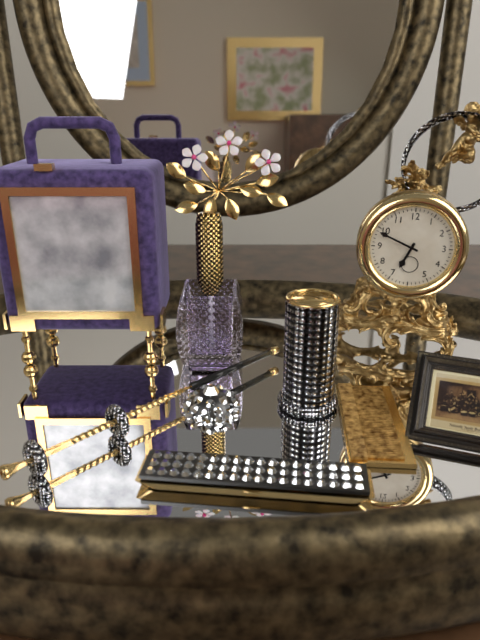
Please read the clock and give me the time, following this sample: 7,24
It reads 6,49
